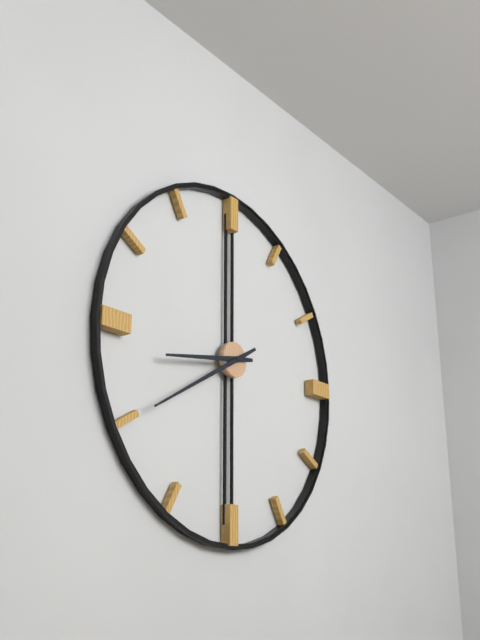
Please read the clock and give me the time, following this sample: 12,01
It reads 8,40
